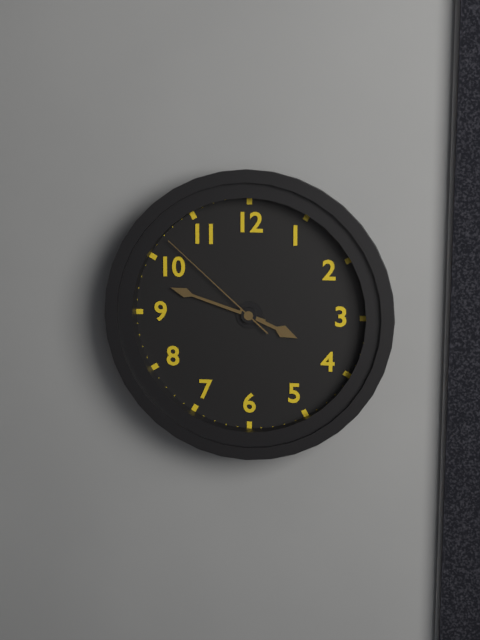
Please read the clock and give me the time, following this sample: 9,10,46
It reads 3,48,52
